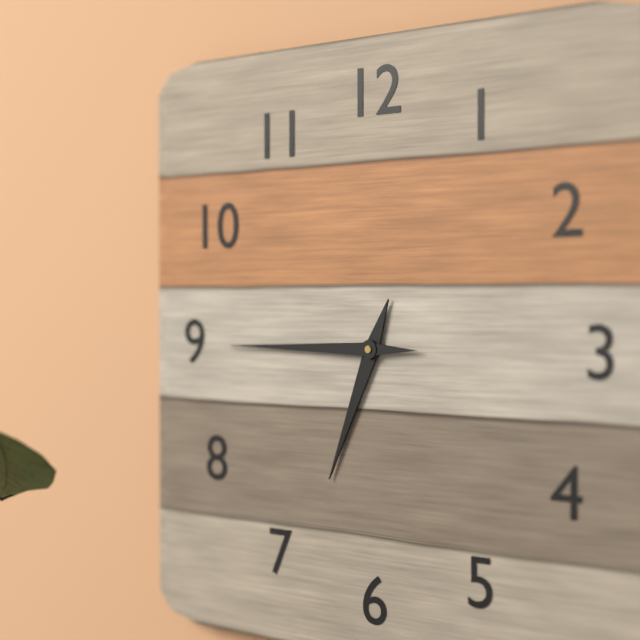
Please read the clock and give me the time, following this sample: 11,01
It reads 6,45
